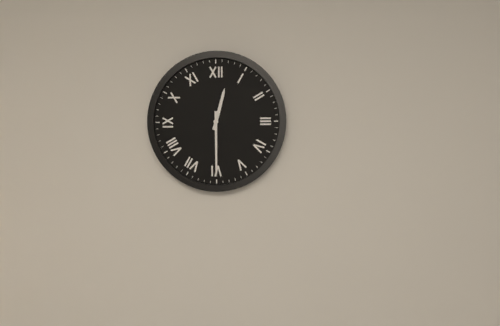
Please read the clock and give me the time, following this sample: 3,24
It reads 12,30
